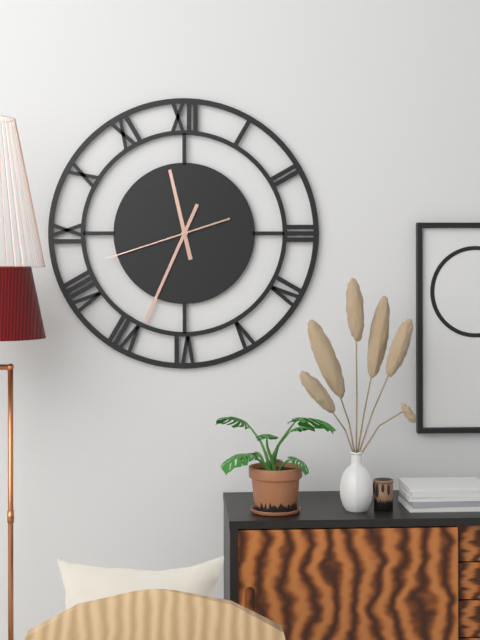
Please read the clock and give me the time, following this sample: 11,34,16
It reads 11,34,42
